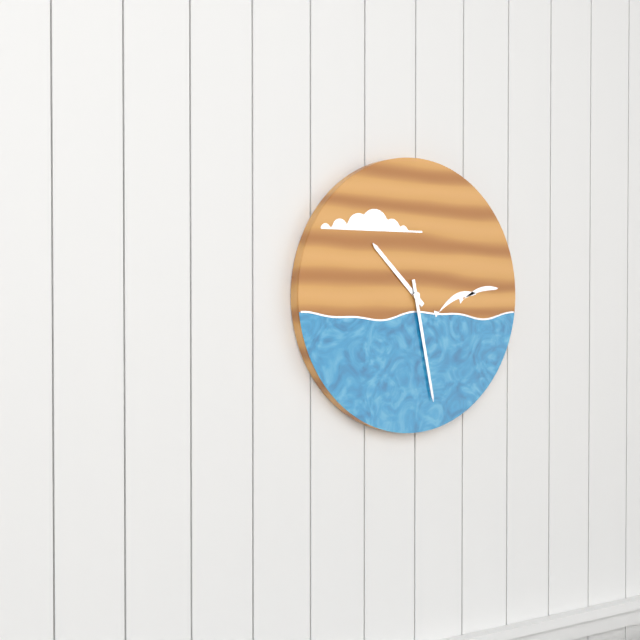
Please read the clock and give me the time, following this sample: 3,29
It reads 10,28
